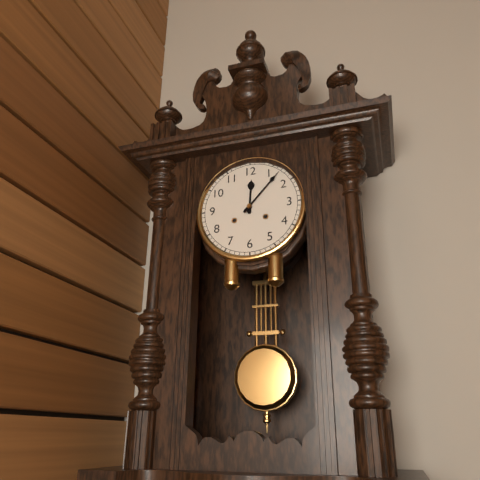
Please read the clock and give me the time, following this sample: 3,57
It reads 12,07
